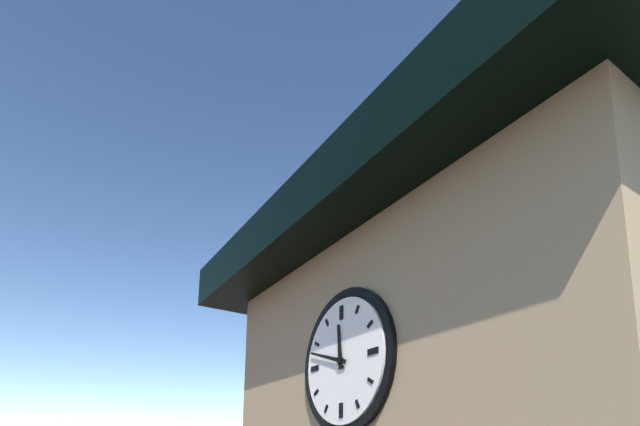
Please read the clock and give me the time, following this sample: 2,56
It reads 11,48
